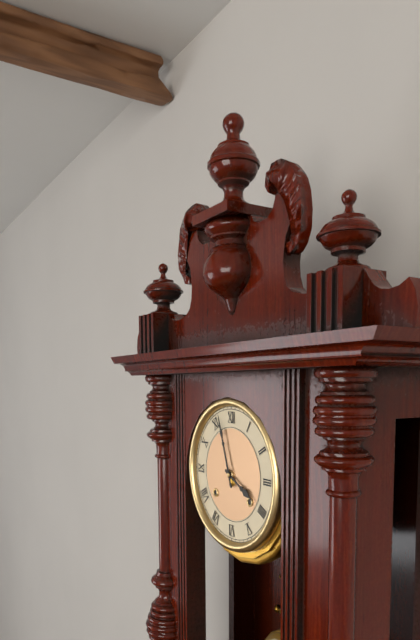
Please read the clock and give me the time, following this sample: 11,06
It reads 3,57
